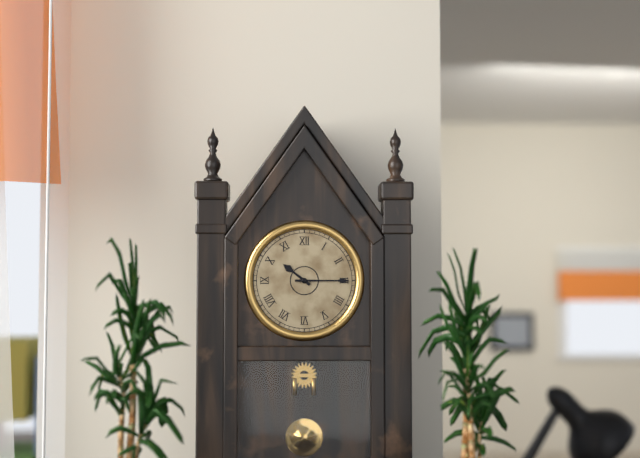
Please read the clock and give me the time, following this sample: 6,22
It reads 10,15
